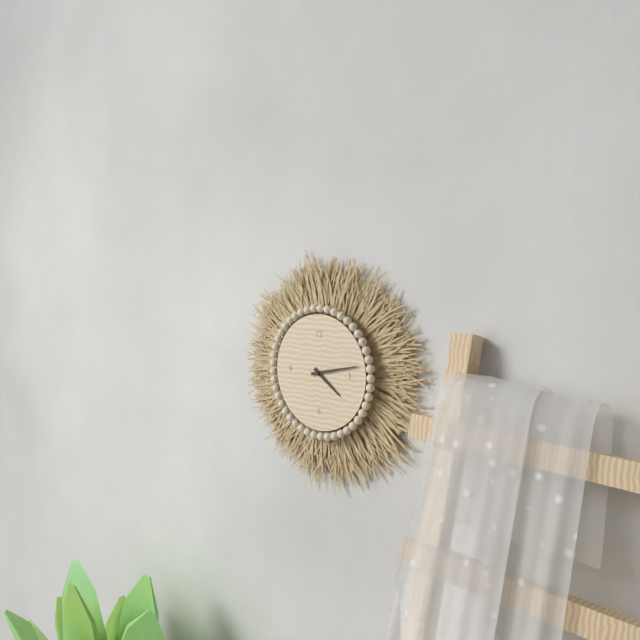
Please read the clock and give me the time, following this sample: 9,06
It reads 4,13
